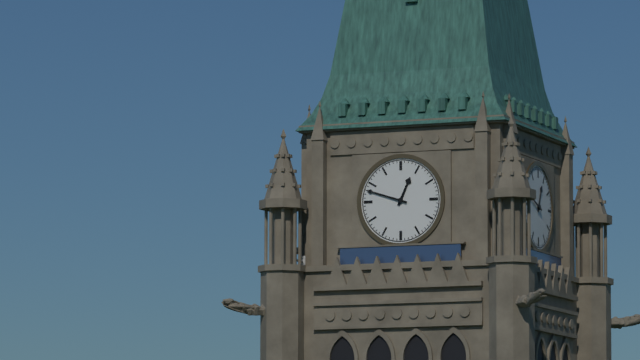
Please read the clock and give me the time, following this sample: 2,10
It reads 12,48
